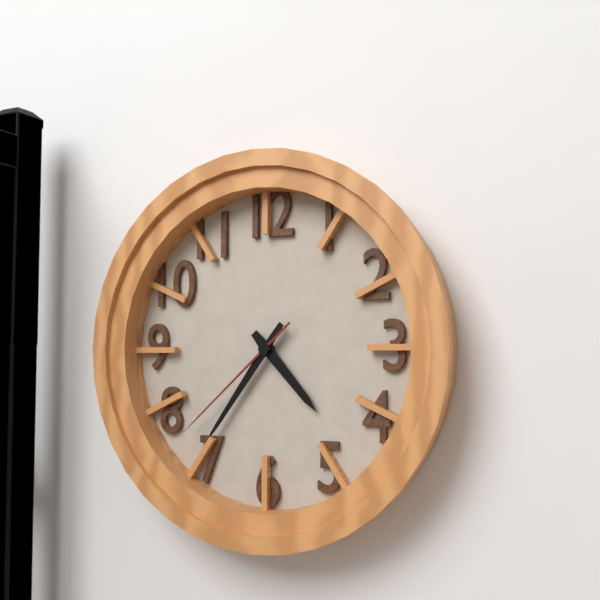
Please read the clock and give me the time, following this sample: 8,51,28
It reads 4,36,38
